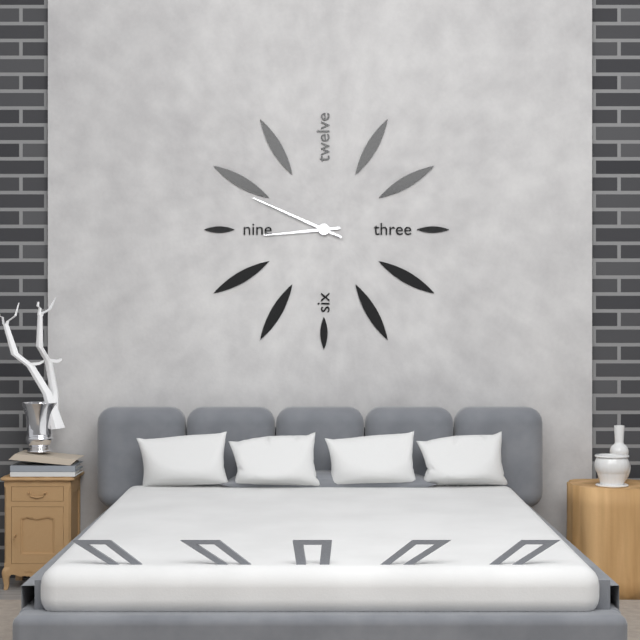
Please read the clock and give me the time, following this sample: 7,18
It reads 8,49
